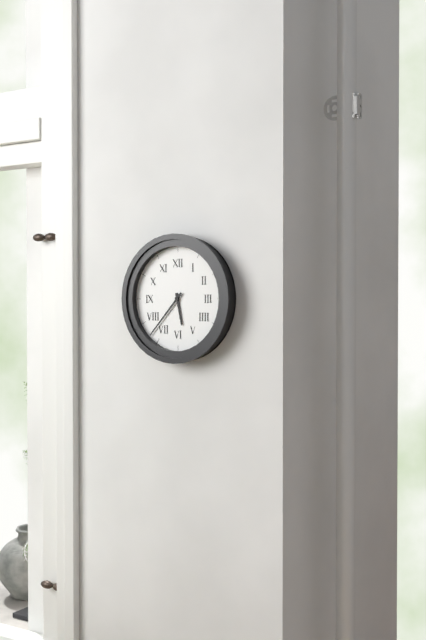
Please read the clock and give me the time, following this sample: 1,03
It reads 5,37
